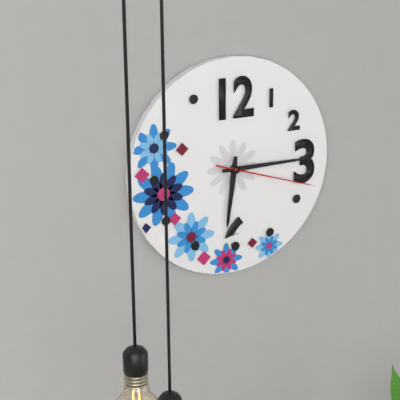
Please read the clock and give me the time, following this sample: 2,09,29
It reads 6,15,18
